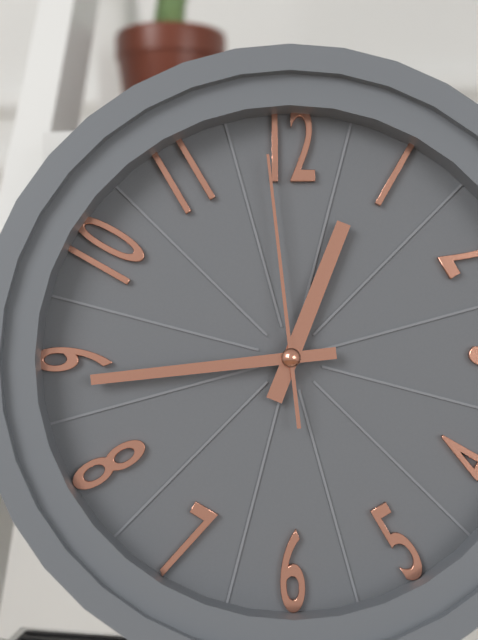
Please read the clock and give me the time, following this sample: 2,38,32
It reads 12,44,59
